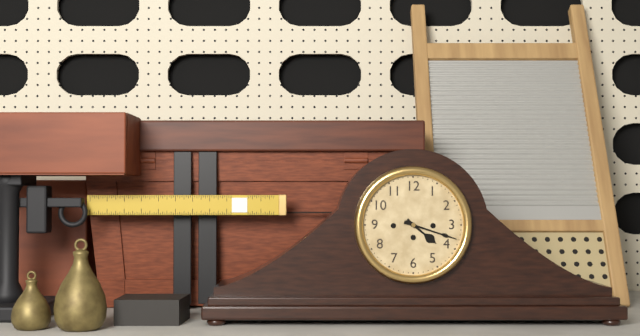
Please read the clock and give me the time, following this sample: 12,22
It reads 4,18
